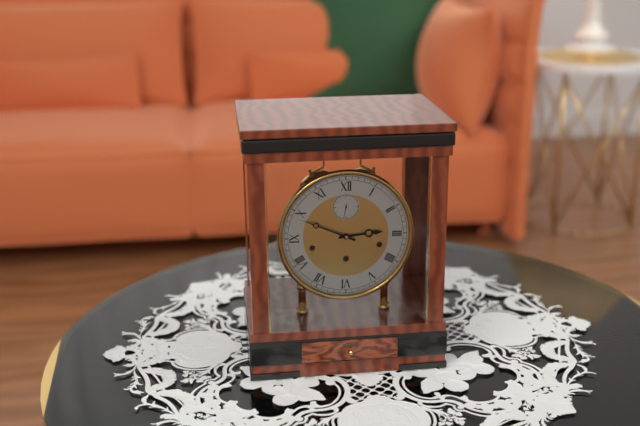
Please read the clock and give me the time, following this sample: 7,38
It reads 2,49
